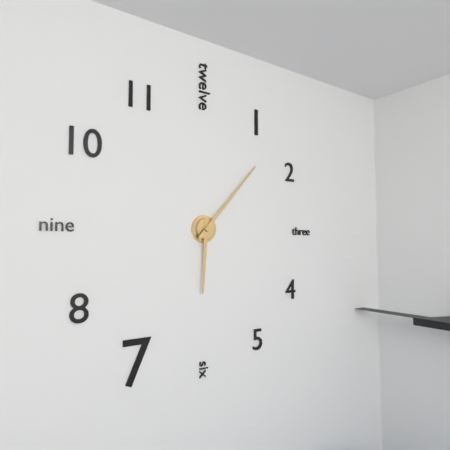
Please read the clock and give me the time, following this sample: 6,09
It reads 6,07
